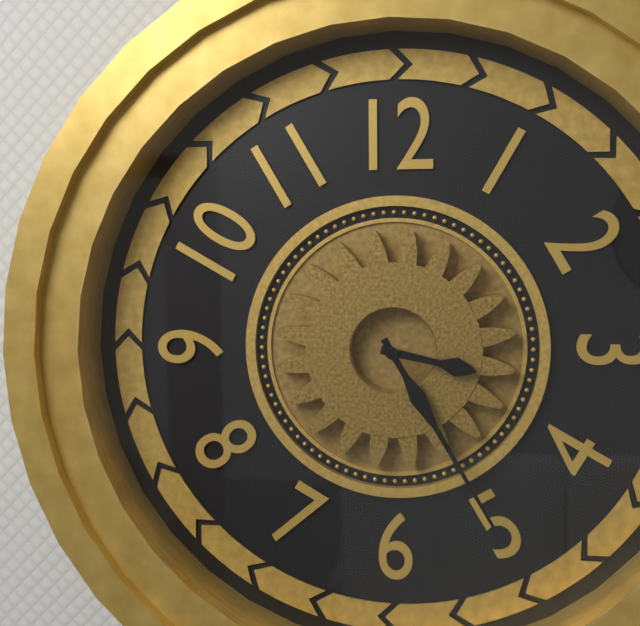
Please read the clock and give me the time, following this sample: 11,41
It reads 3,25
